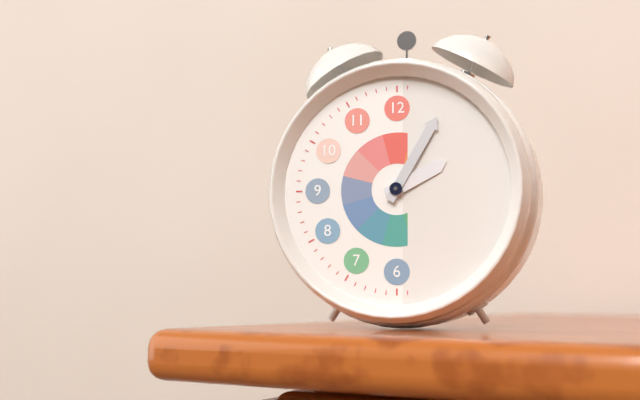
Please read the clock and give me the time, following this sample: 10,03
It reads 2,05
